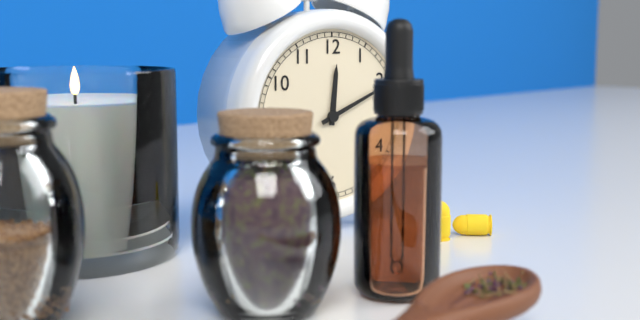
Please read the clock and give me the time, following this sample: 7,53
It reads 12,11
